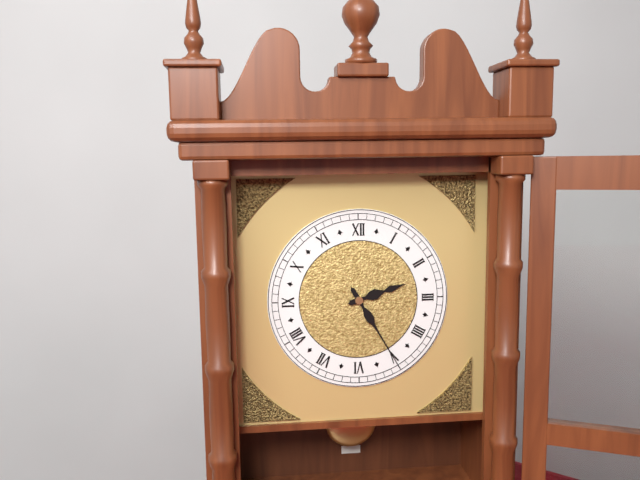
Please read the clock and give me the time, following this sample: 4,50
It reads 2,25
